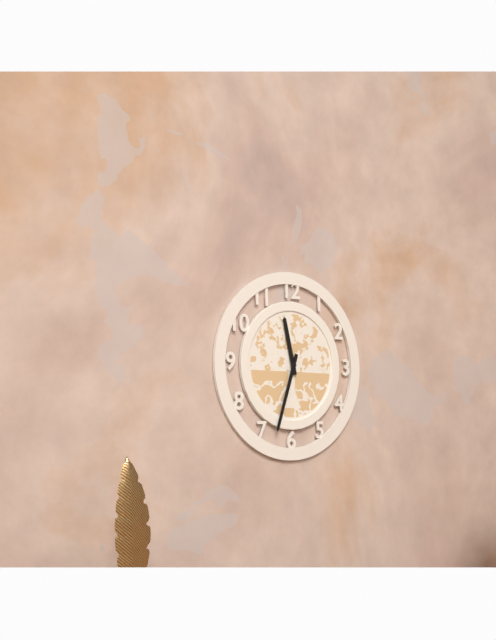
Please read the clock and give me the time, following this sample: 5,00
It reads 11,33
